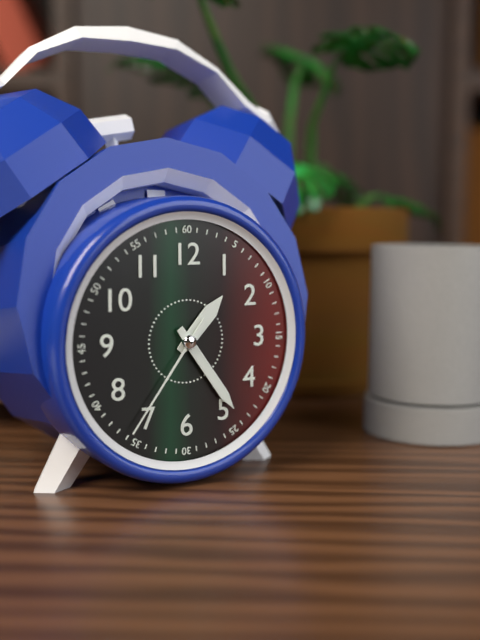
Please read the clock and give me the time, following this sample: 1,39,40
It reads 1,24,36
